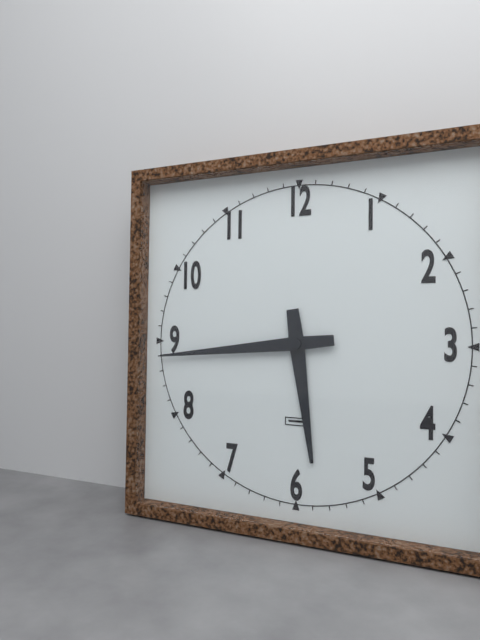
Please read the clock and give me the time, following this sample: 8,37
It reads 5,44
